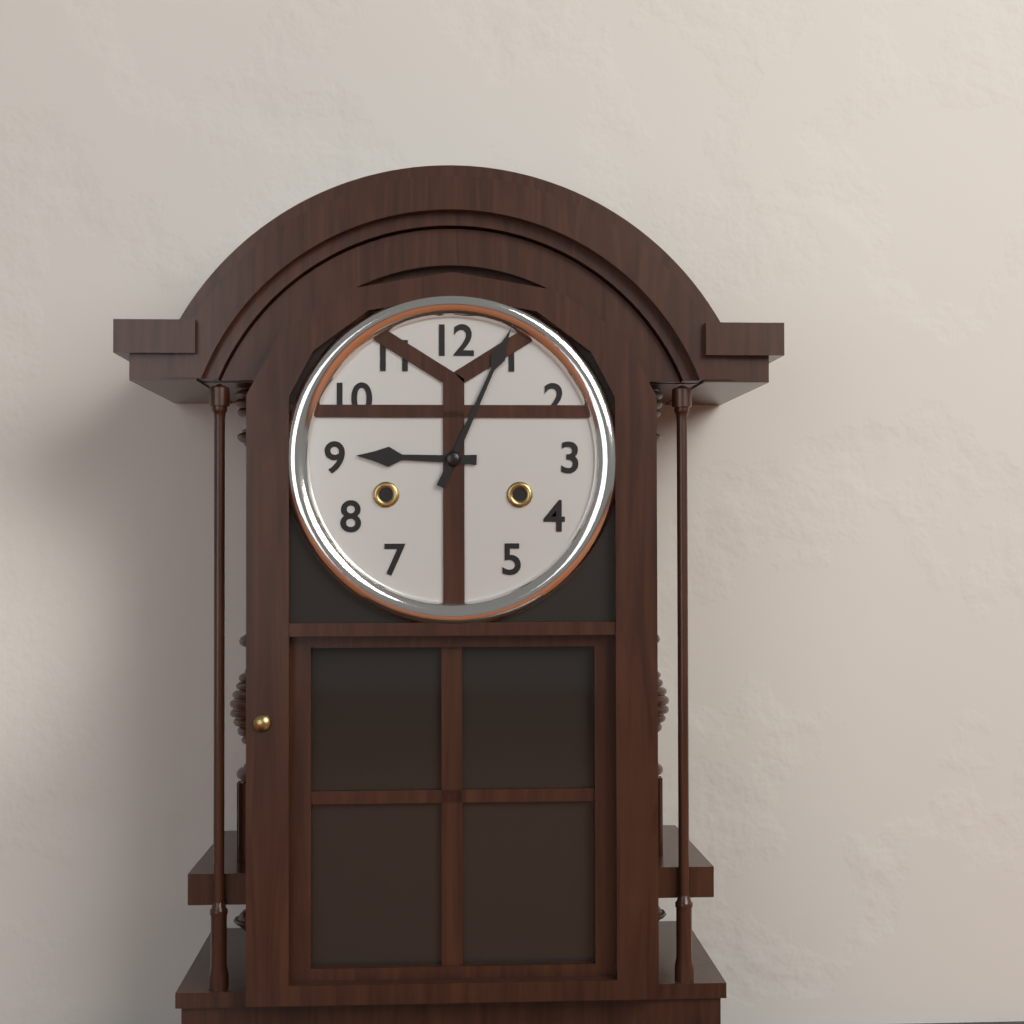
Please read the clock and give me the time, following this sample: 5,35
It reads 9,04
